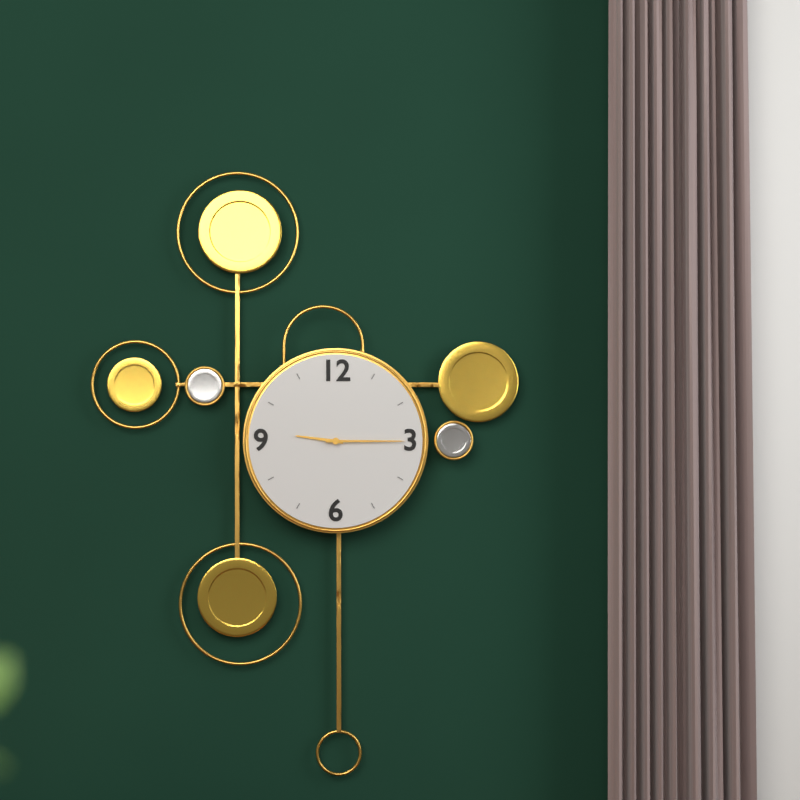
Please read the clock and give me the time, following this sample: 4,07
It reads 9,15
